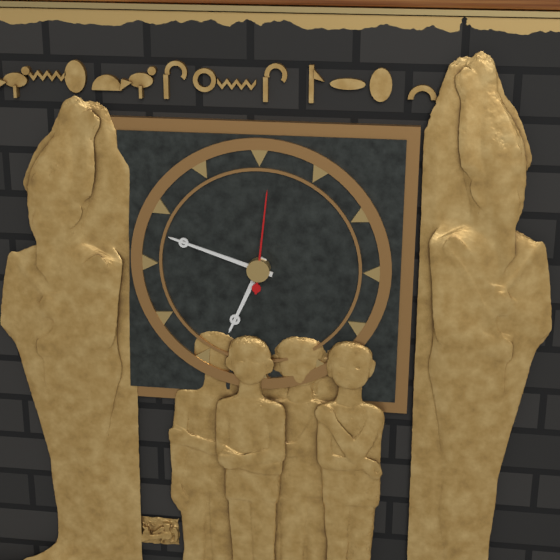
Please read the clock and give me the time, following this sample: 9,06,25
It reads 6,48,01
